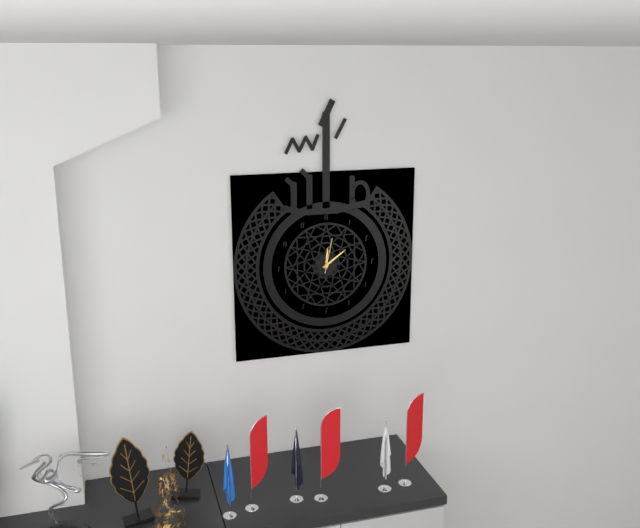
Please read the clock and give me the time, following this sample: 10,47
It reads 12,09
